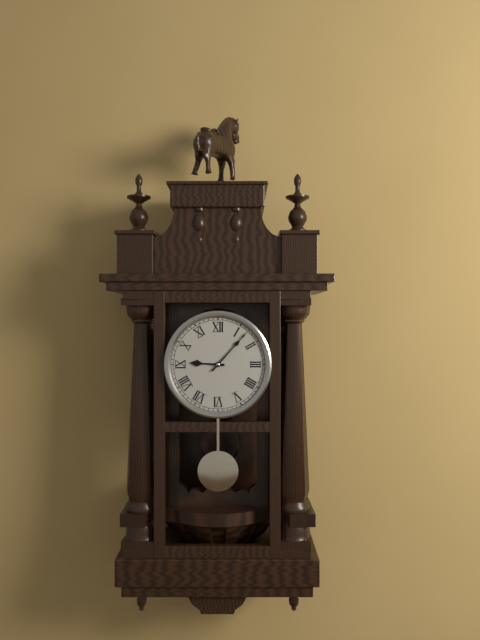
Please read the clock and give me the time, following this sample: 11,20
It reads 9,07
